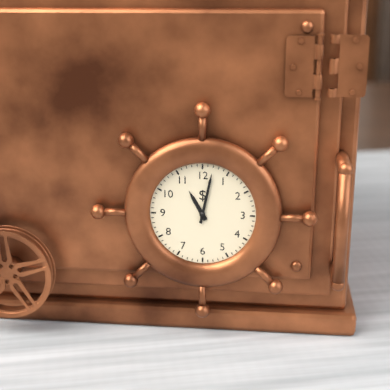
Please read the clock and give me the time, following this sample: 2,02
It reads 11,02
